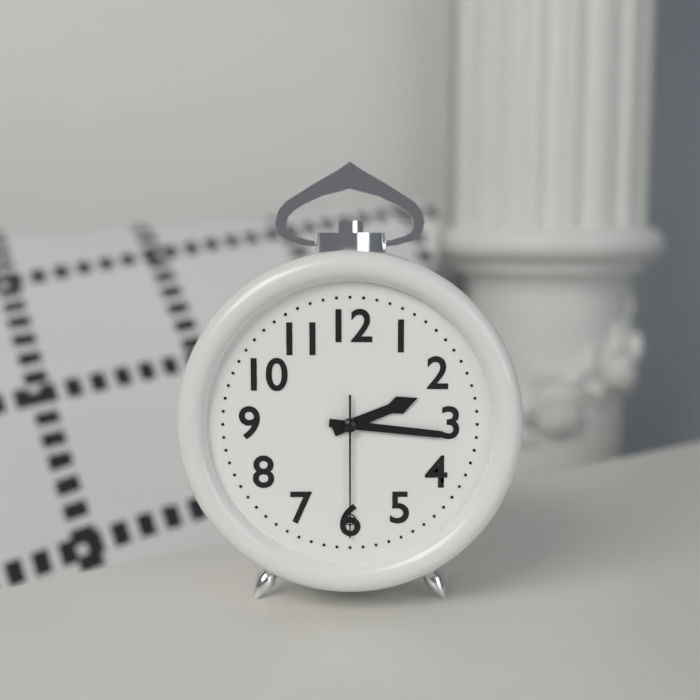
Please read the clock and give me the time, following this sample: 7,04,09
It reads 2,16,30
